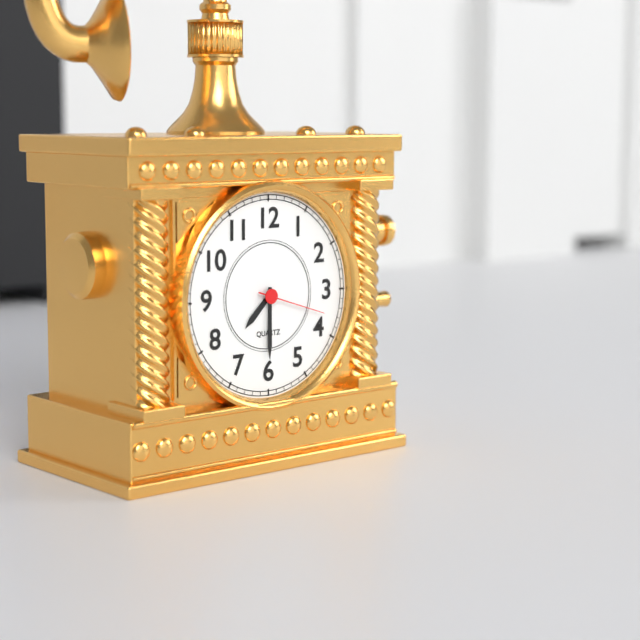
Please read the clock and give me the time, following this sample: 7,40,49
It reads 7,30,18
